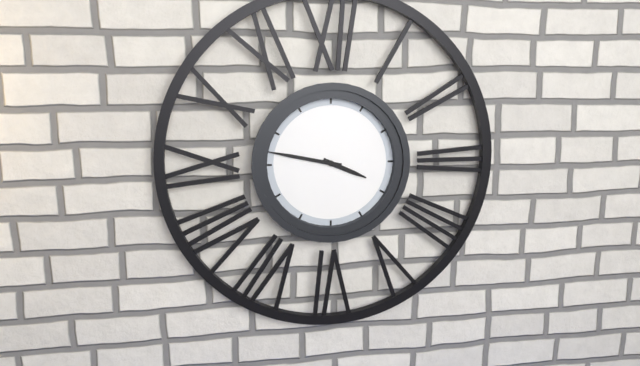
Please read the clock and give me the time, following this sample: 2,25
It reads 3,47
